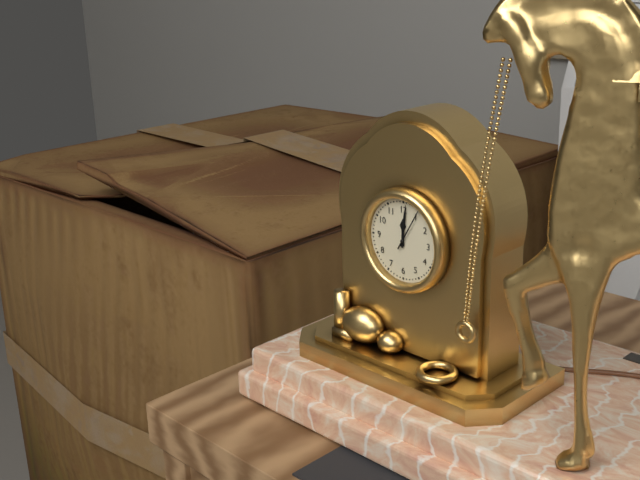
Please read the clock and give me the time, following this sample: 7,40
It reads 12,01
